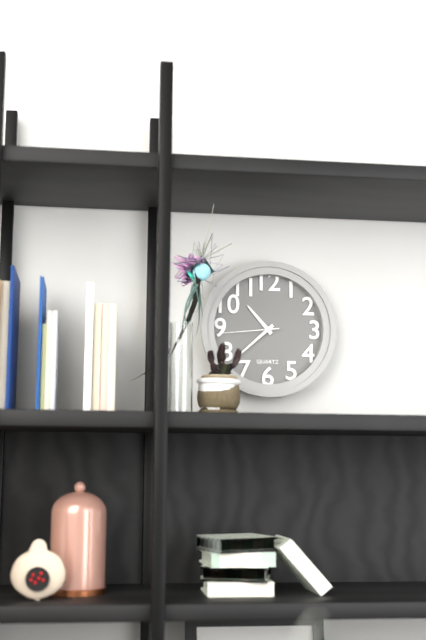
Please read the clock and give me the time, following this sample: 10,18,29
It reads 10,38,44
